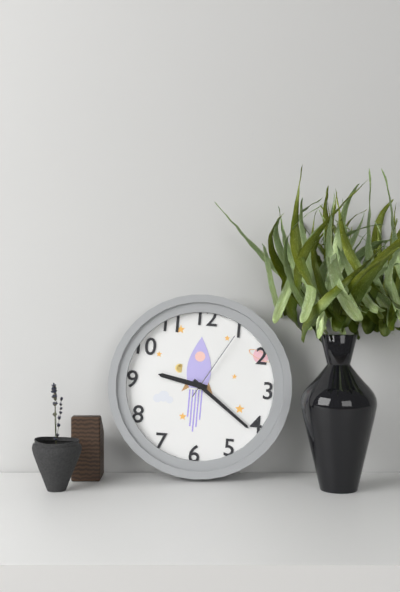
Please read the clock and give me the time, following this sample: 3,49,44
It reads 9,21,05
